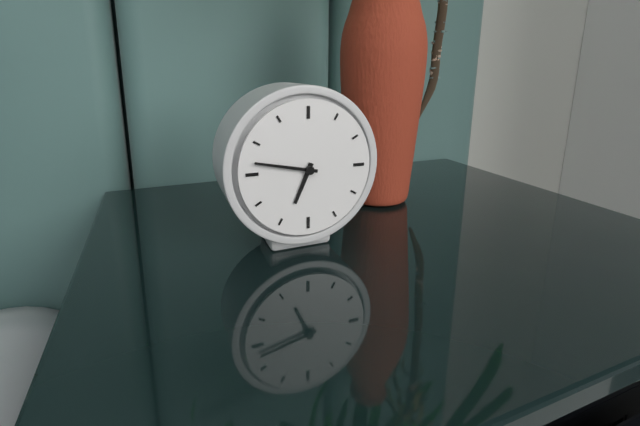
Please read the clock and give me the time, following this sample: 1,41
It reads 6,47
